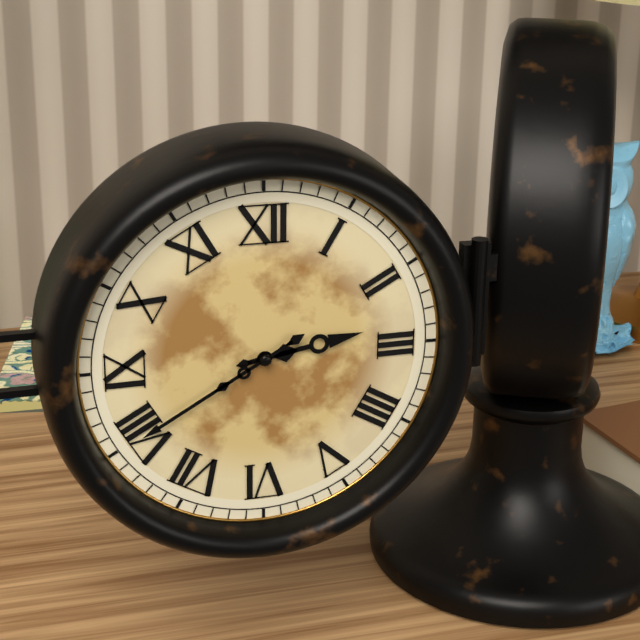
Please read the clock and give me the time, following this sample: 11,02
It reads 2,40
